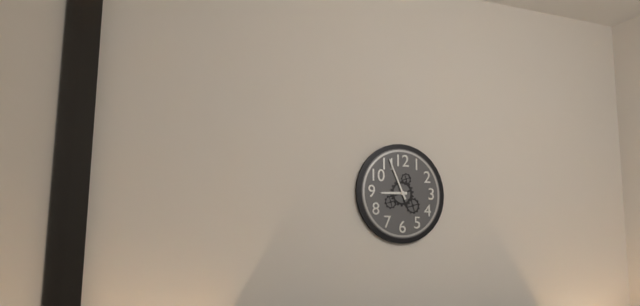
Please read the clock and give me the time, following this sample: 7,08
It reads 8,56
